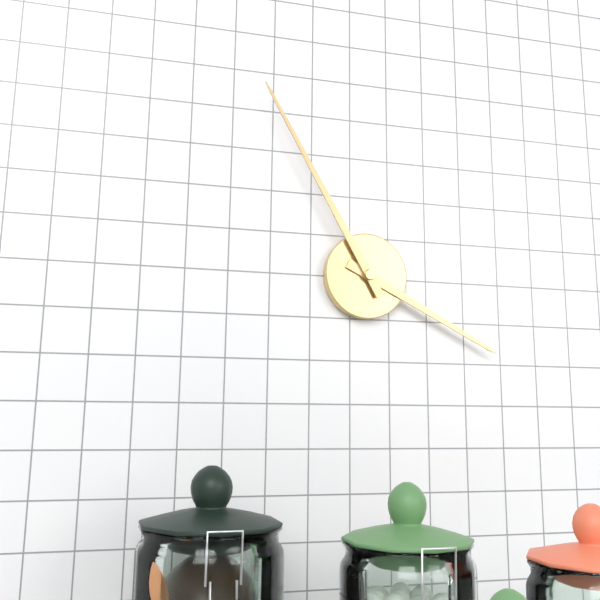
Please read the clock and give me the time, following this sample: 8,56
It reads 3,55
